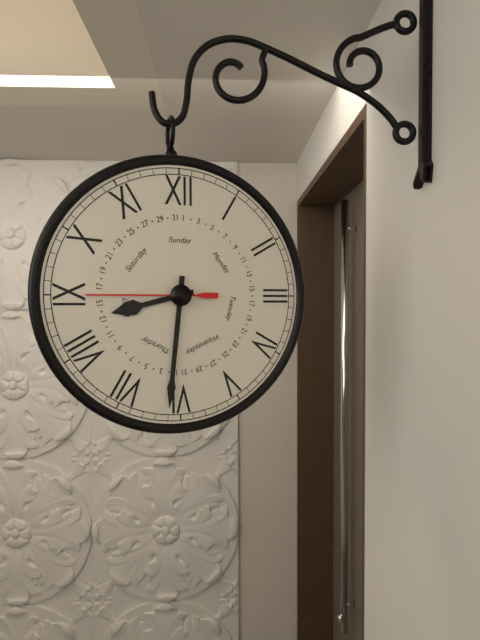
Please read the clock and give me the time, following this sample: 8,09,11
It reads 8,31,45
